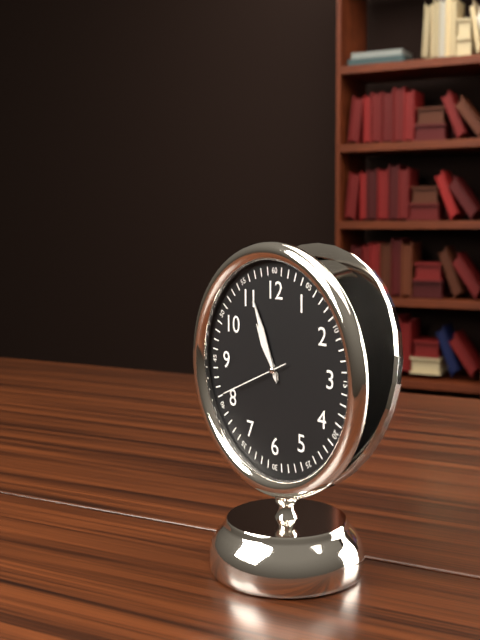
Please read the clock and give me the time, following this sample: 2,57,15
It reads 10,56,41
